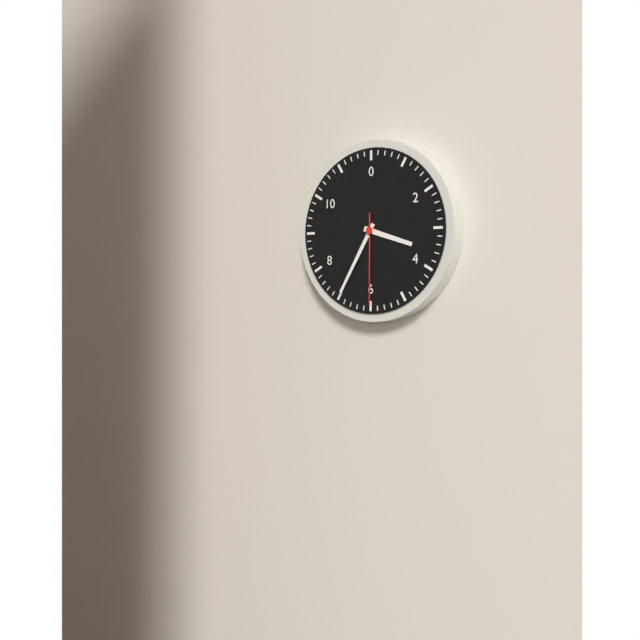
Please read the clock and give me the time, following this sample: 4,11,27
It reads 3,35,30
